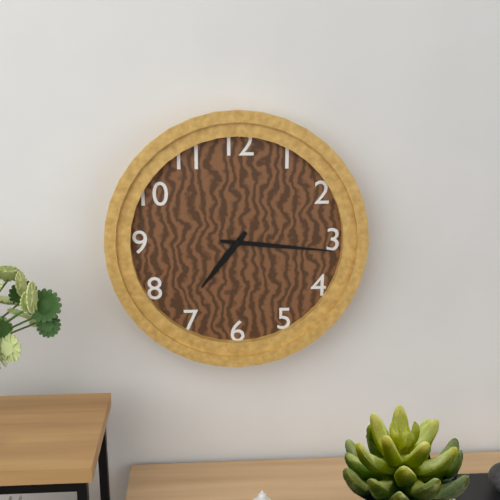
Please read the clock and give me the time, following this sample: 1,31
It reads 7,16
